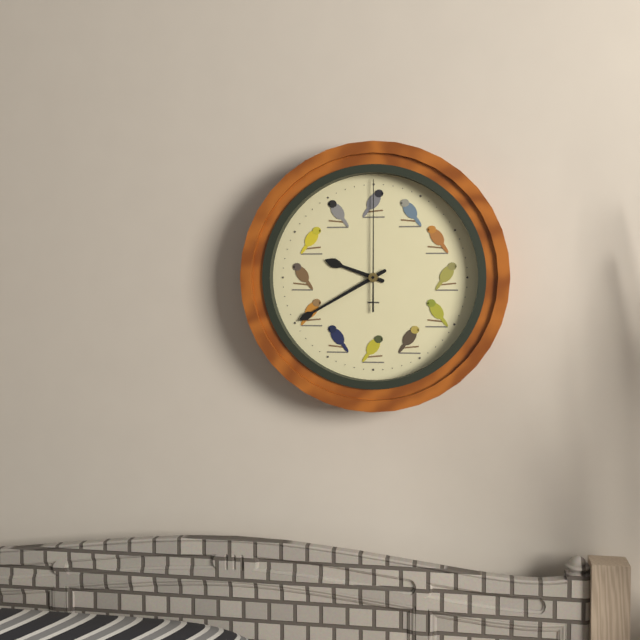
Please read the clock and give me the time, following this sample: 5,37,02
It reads 9,40,00
